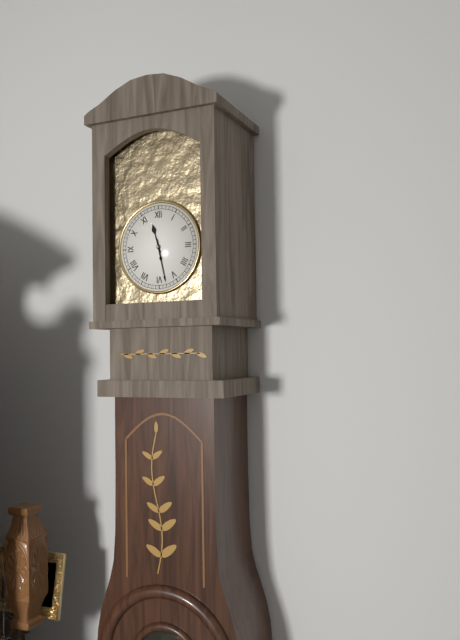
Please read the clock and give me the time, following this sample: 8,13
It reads 11,28
